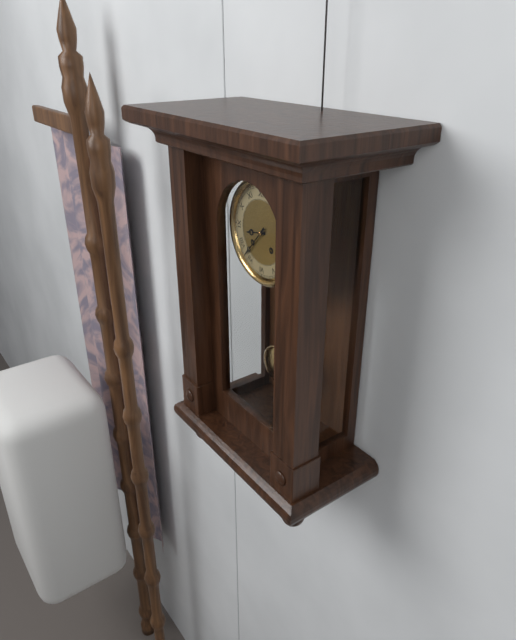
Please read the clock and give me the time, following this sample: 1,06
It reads 8,37
